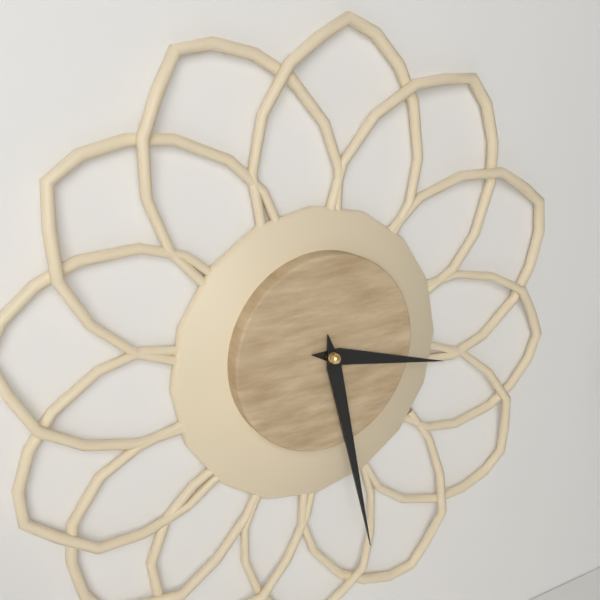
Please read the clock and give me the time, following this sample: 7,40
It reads 3,28
